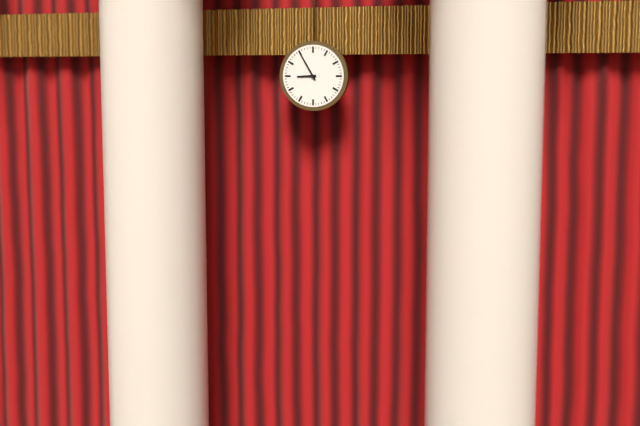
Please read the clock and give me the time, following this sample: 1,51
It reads 8,55
